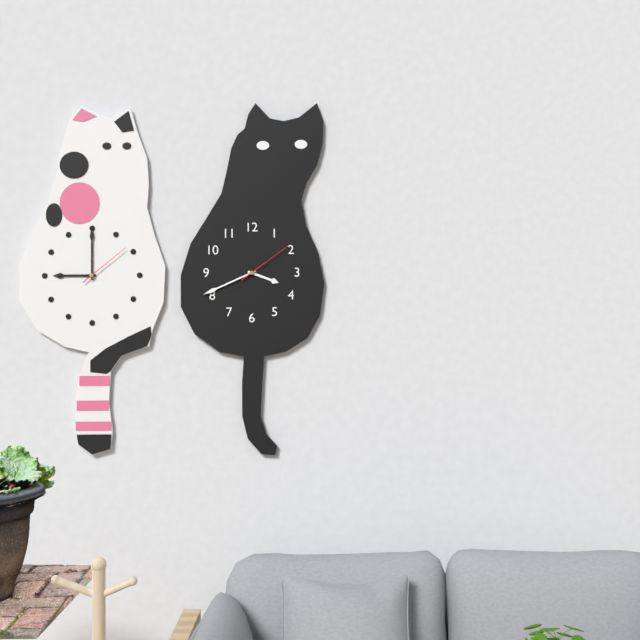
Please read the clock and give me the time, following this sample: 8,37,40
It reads 3,41,09
